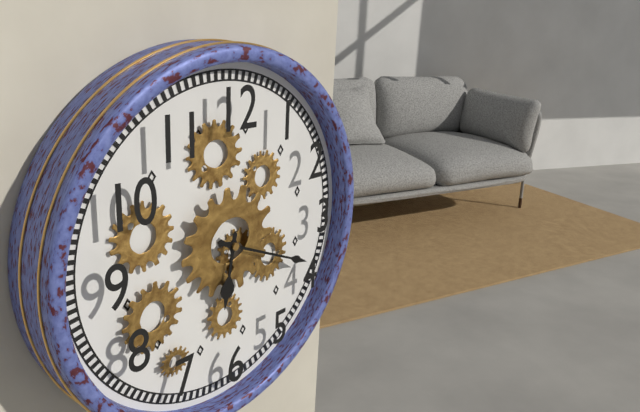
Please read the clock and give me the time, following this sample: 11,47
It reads 6,19
